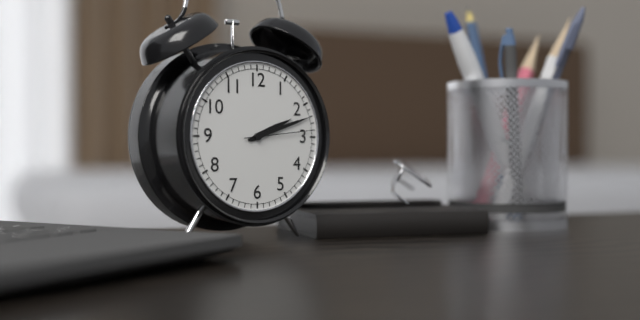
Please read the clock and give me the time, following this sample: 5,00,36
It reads 2,12,14
